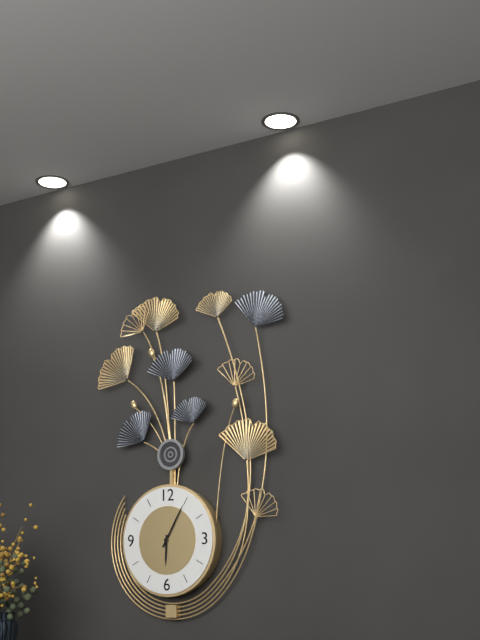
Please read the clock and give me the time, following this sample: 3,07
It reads 6,05
